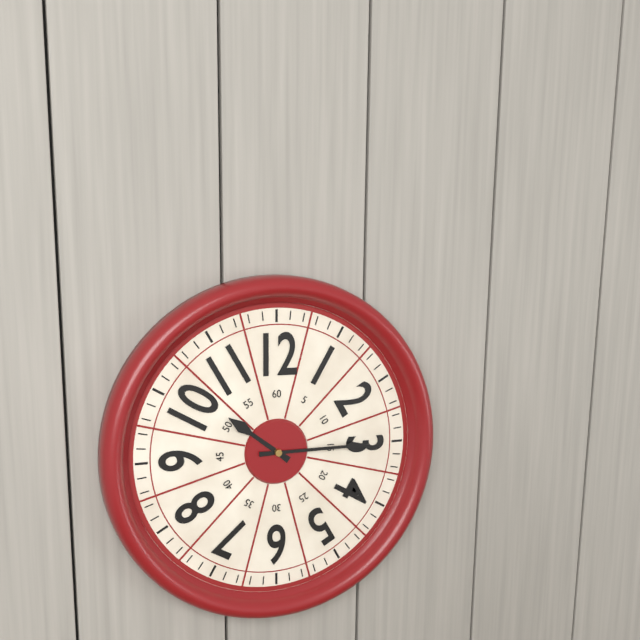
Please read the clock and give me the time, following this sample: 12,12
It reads 10,15
